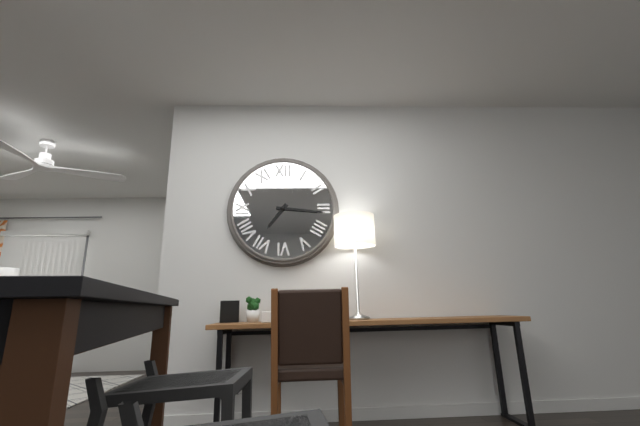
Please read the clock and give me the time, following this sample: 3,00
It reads 7,16
